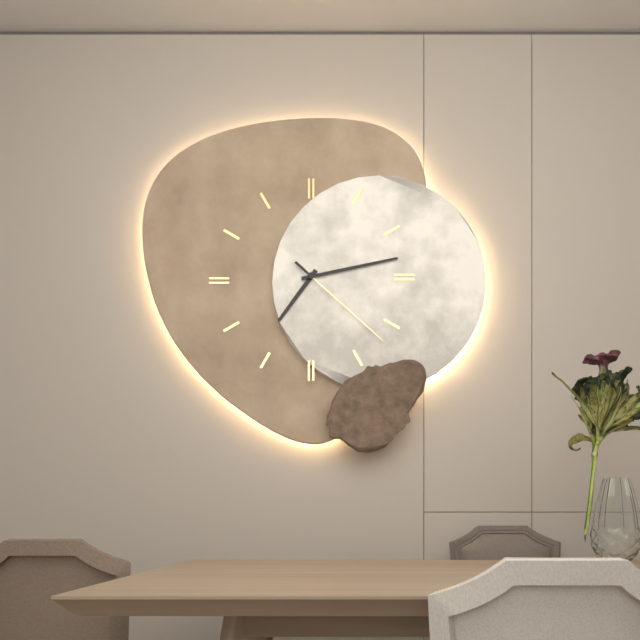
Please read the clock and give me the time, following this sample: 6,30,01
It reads 7,13,22
